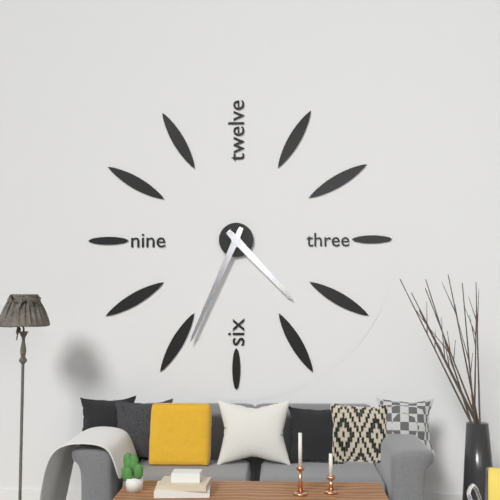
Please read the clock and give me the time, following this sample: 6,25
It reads 4,34
